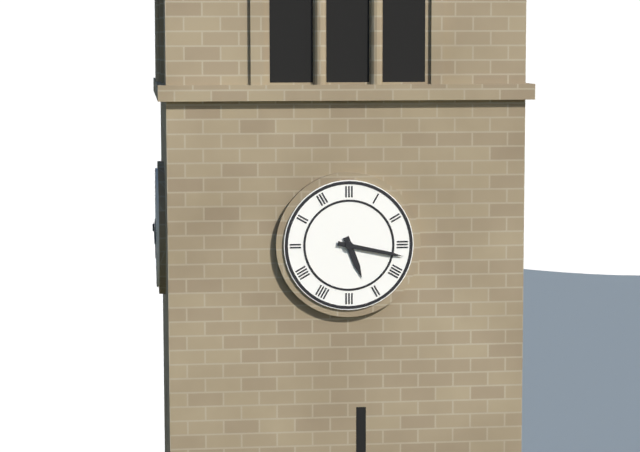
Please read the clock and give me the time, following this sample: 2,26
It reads 5,17
